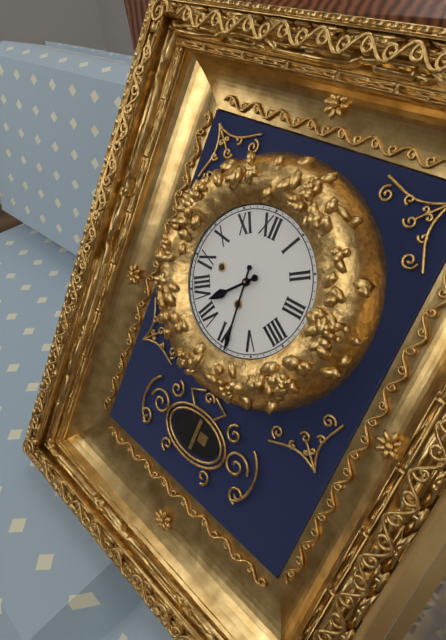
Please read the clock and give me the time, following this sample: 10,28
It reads 7,29
